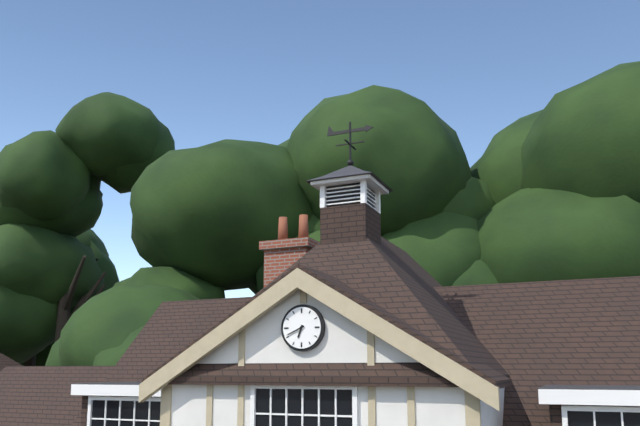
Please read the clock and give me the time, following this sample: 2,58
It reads 6,41
